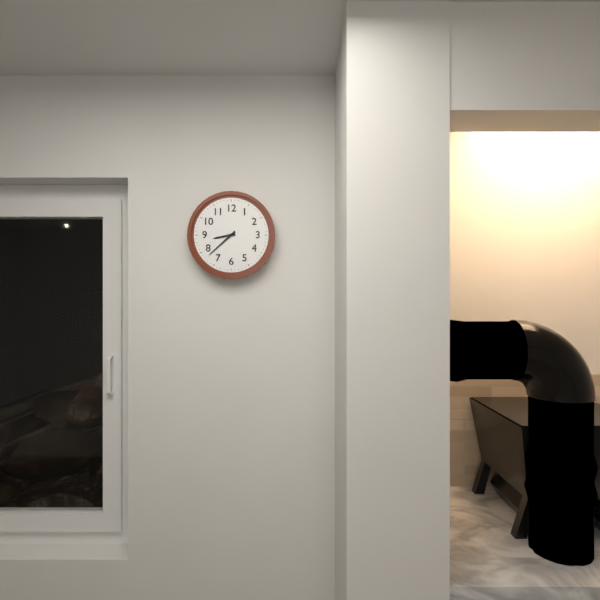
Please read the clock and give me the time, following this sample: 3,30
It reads 8,38
